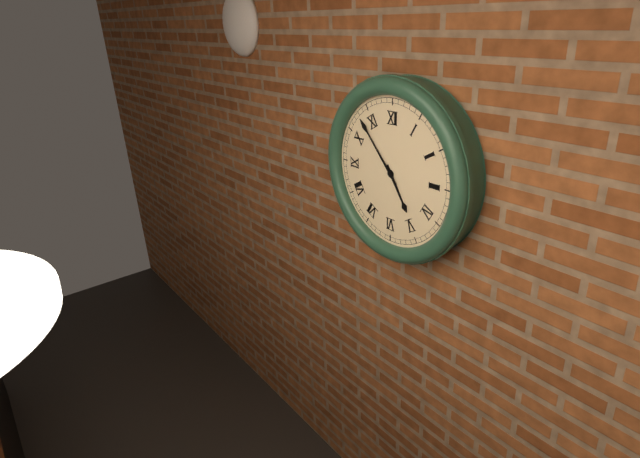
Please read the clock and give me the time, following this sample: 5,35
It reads 4,53
